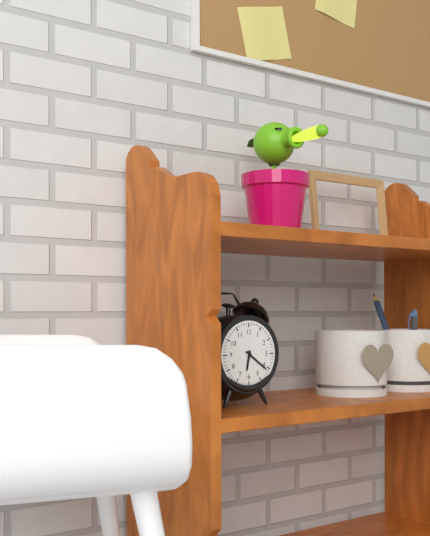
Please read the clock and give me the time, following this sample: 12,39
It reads 6,21
